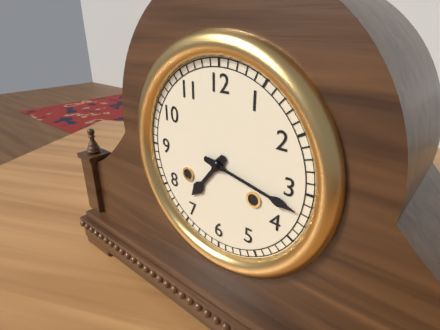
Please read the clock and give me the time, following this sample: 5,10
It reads 7,17
